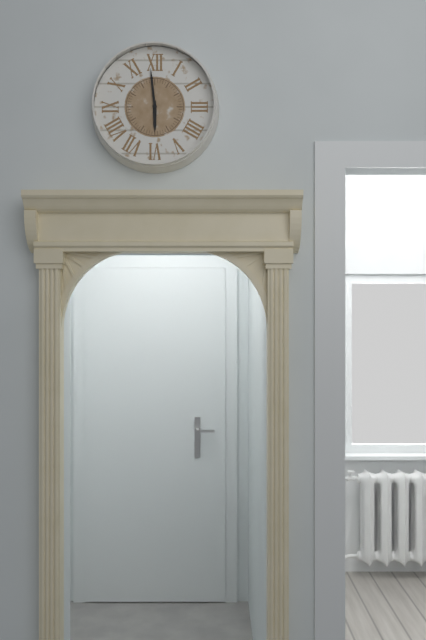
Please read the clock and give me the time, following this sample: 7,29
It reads 5,59
